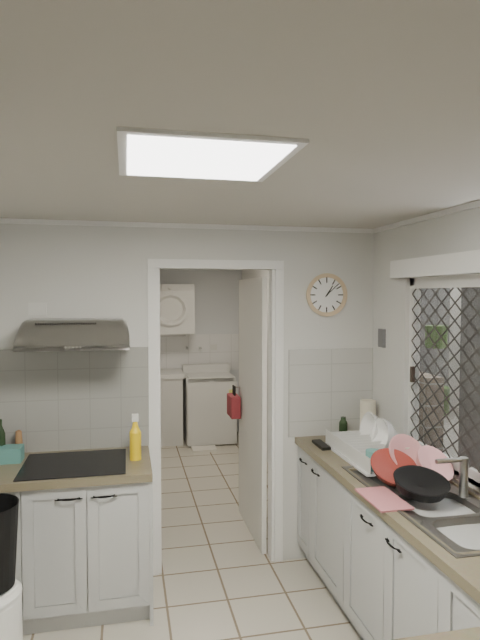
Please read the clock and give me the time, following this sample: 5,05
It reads 1,08
